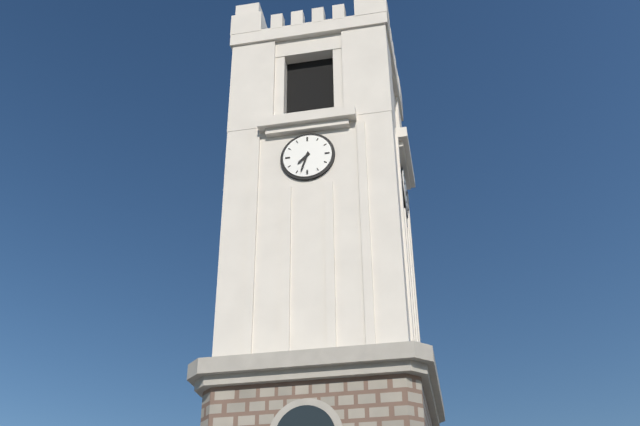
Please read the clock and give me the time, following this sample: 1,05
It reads 7,33
